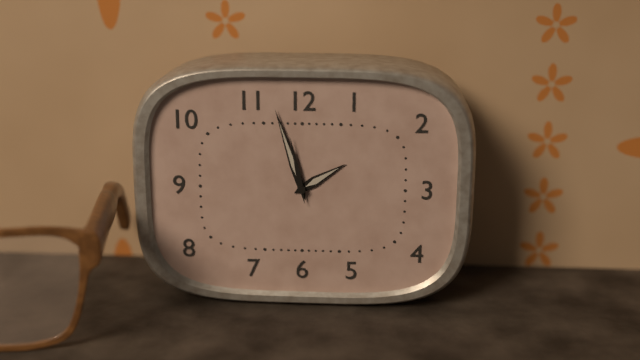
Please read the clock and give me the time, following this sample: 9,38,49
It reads 1,57,58
